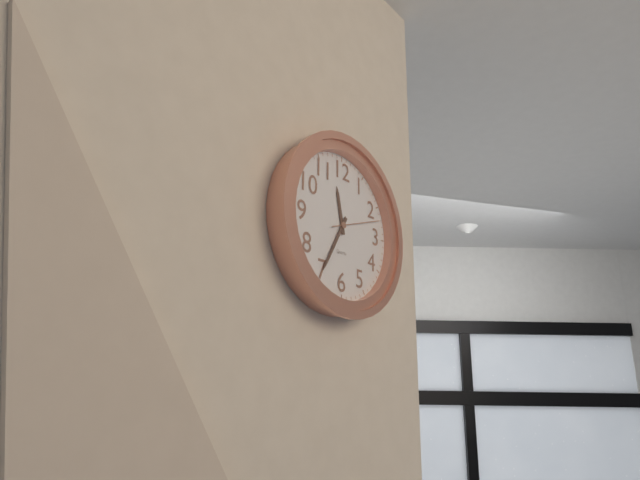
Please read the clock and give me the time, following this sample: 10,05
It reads 11,35
